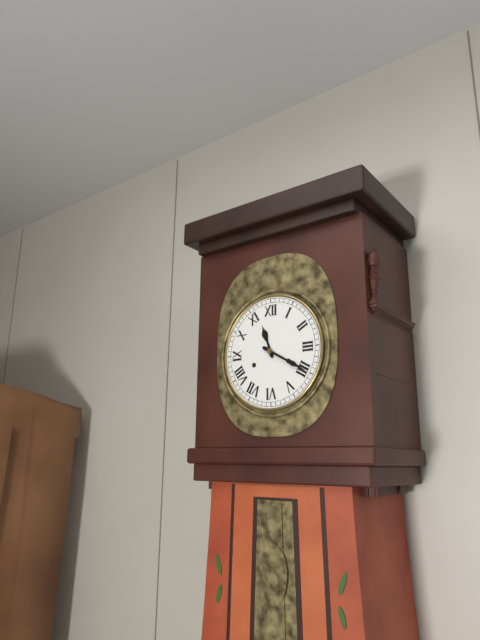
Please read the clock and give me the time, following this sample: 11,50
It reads 11,20
